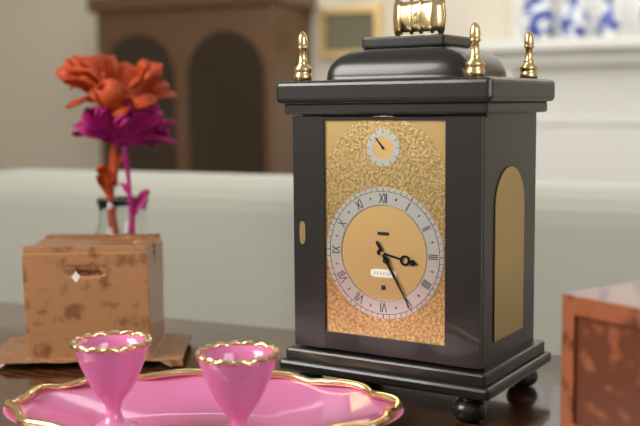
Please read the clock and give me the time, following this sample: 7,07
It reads 3,25
